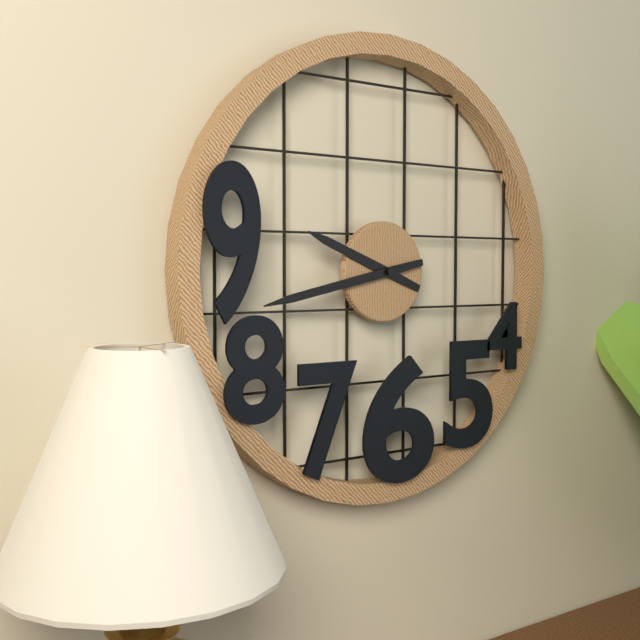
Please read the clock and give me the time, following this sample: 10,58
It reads 9,43
